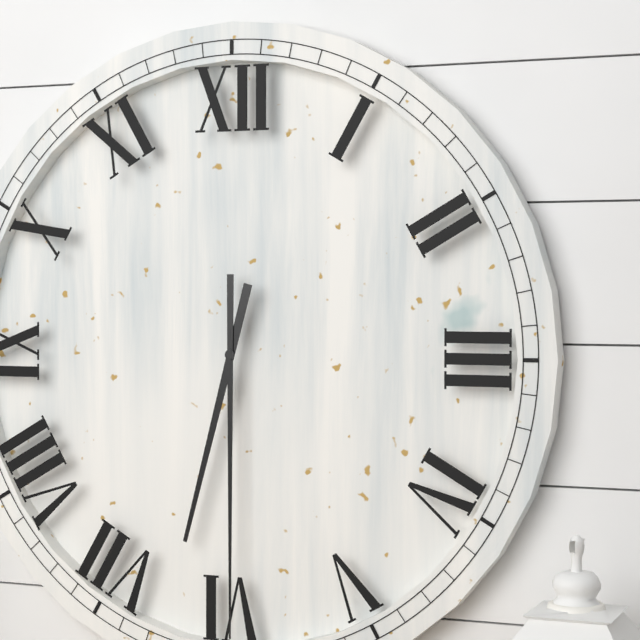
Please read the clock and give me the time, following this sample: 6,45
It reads 6,30
